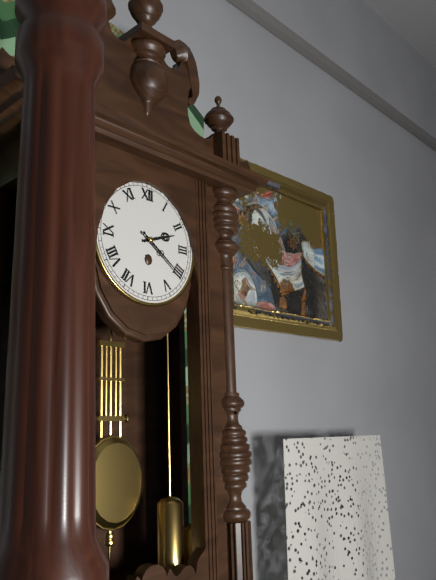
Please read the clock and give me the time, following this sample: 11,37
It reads 2,21
